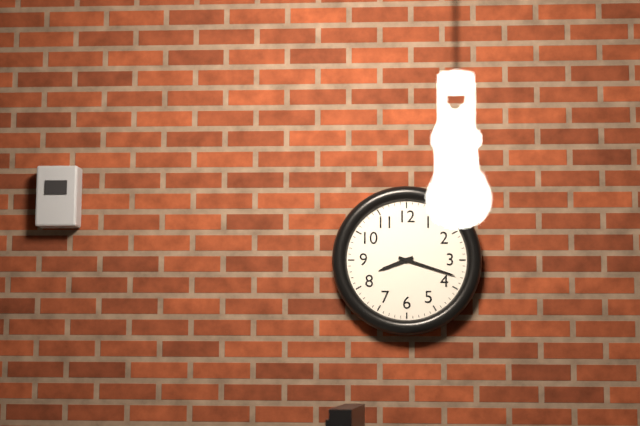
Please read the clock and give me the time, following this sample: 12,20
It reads 8,18
